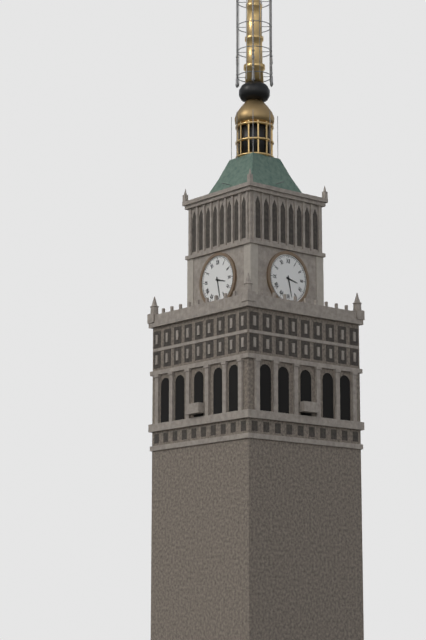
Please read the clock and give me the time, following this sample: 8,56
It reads 3,28
